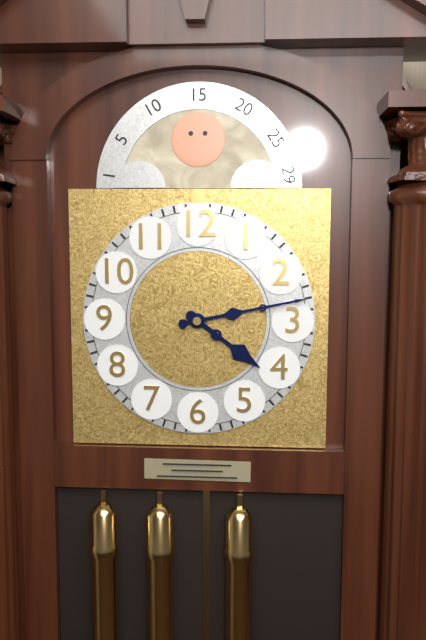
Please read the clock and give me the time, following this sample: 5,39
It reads 4,13
